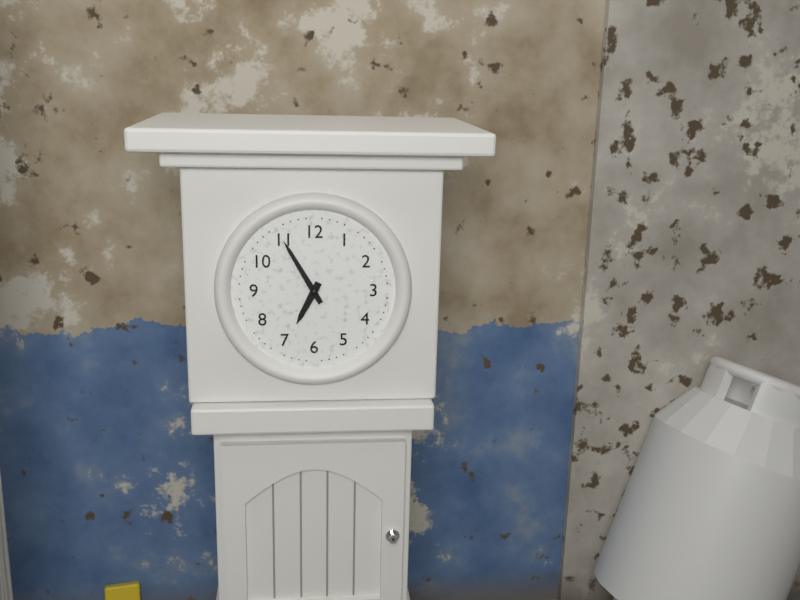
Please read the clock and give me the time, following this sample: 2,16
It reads 6,55
